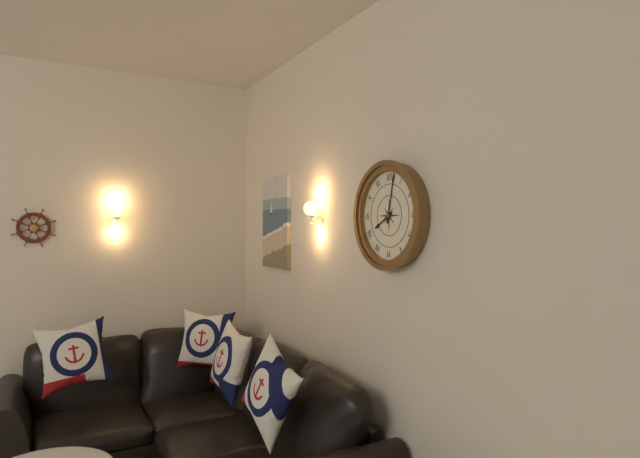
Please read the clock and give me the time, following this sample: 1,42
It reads 8,02
